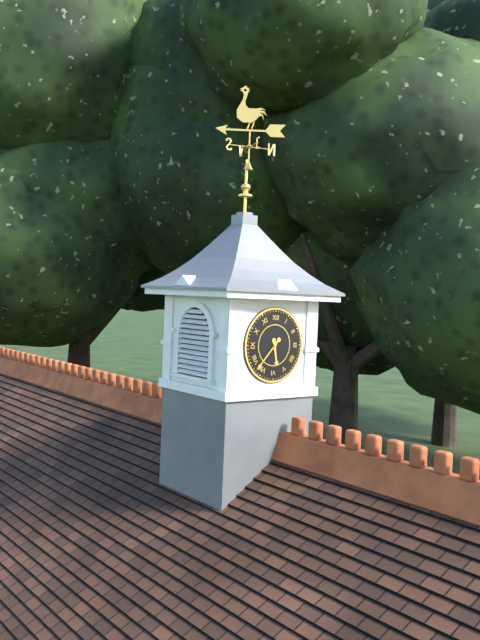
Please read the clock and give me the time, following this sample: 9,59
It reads 5,37
